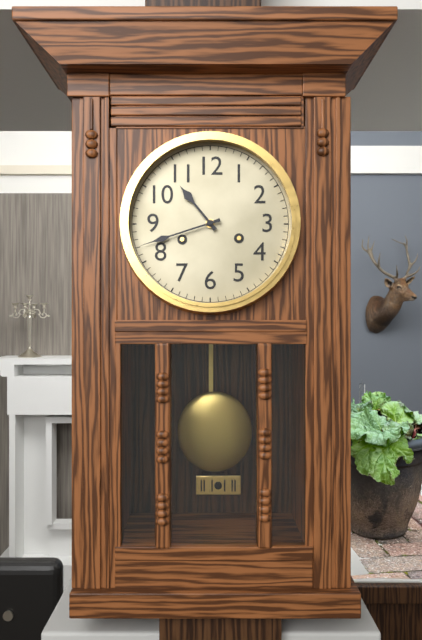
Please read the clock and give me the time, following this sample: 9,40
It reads 10,42
